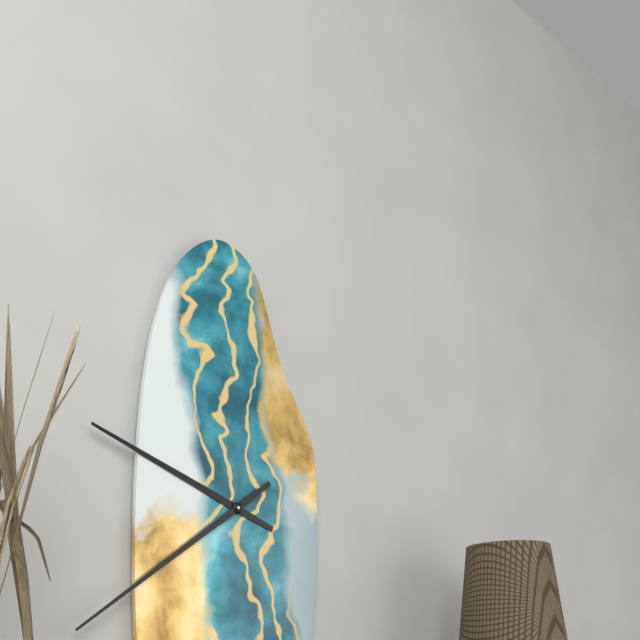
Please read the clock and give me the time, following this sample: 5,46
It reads 9,39
